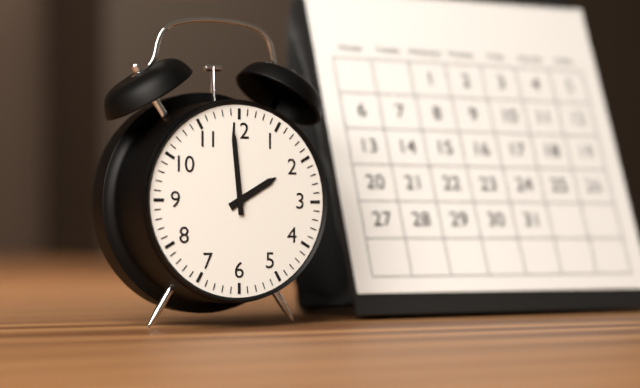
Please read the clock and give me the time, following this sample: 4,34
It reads 1,59
